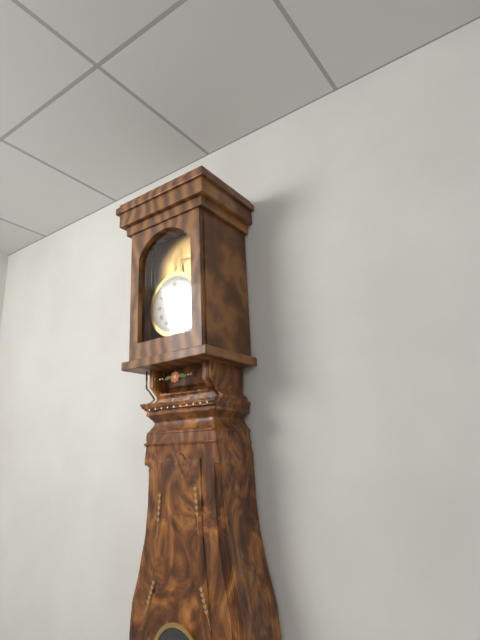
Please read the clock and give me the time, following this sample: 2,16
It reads 5,26
